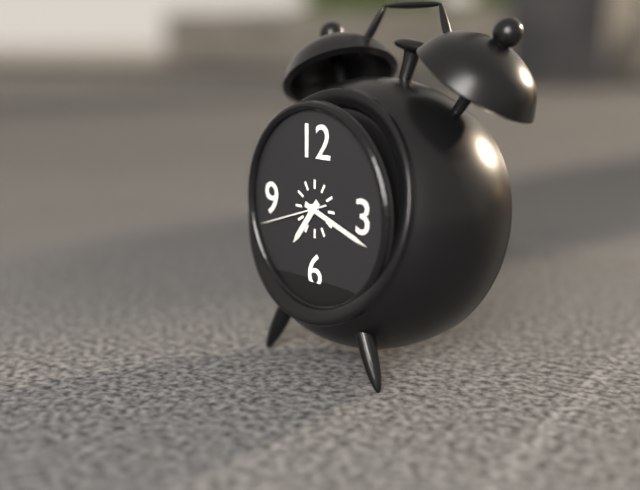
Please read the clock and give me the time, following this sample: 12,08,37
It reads 7,18,42
